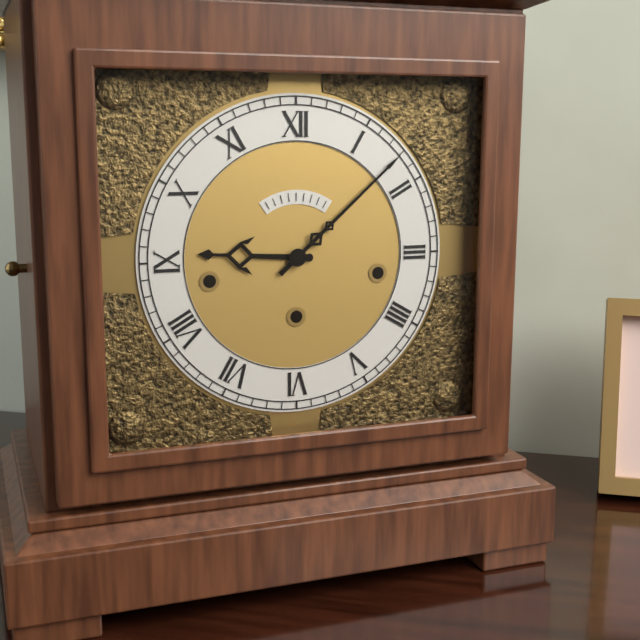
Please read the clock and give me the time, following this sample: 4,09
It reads 9,08
